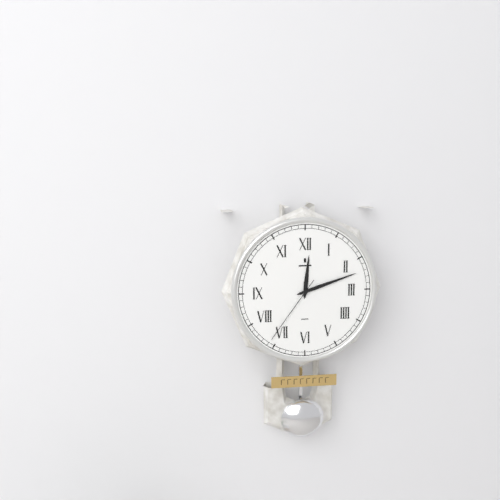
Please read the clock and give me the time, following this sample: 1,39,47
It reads 12,12,36
